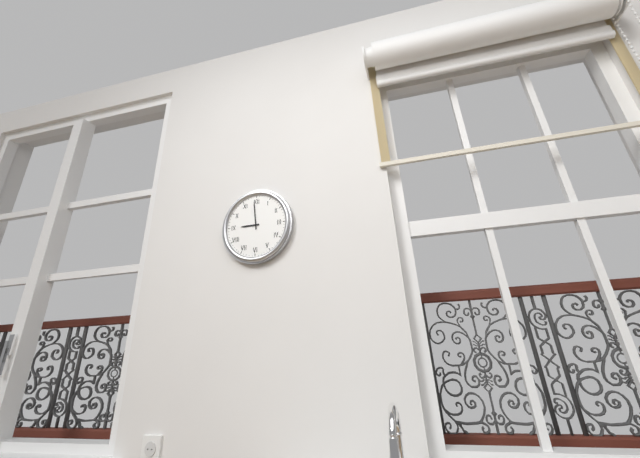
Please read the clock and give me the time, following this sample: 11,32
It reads 8,59
